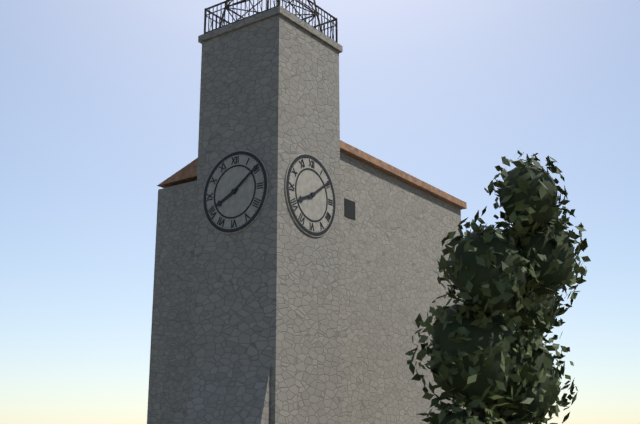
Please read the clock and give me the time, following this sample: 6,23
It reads 8,09
